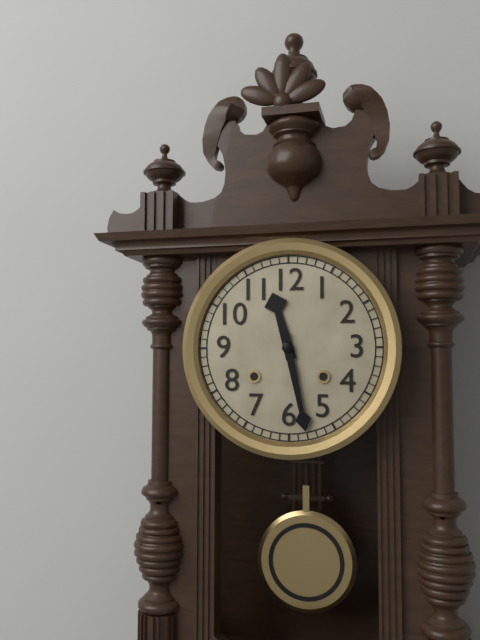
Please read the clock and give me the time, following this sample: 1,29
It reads 11,28
